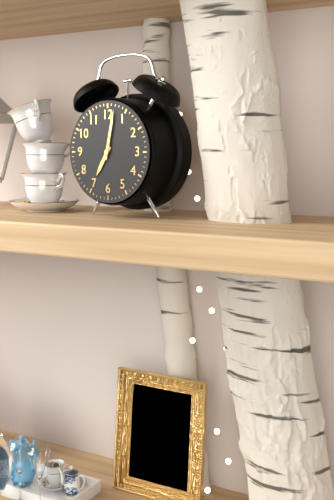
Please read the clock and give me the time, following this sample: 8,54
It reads 7,02
